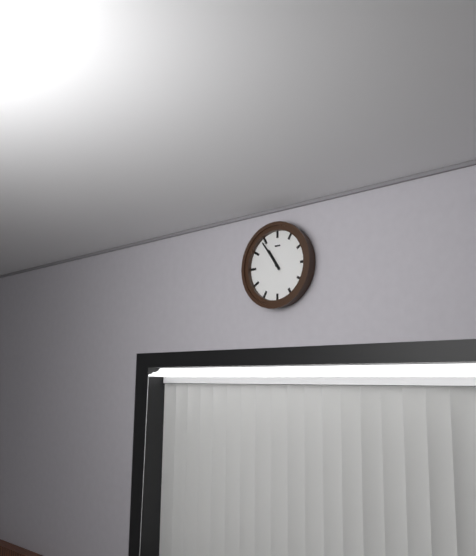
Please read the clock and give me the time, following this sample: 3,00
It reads 10,54
